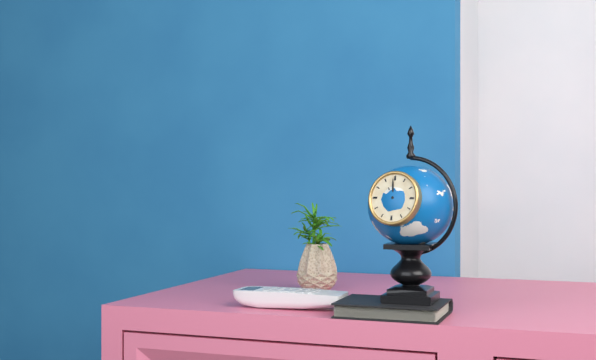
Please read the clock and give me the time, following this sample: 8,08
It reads 10,59
